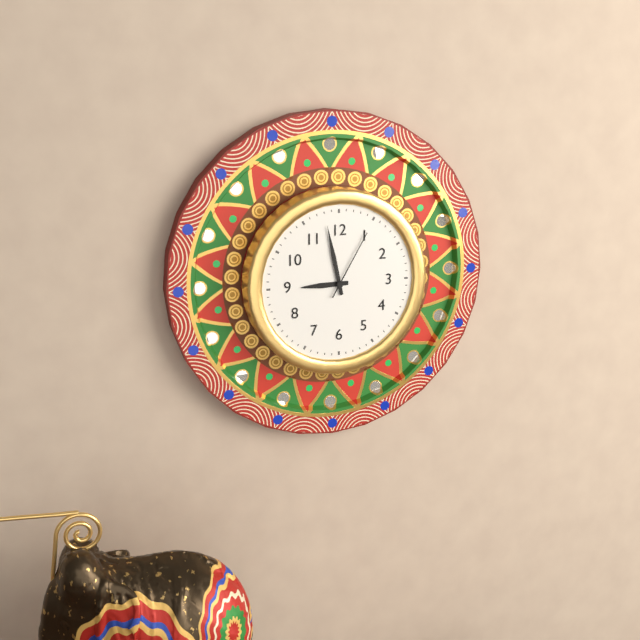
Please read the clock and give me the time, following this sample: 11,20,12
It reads 8,58,05
